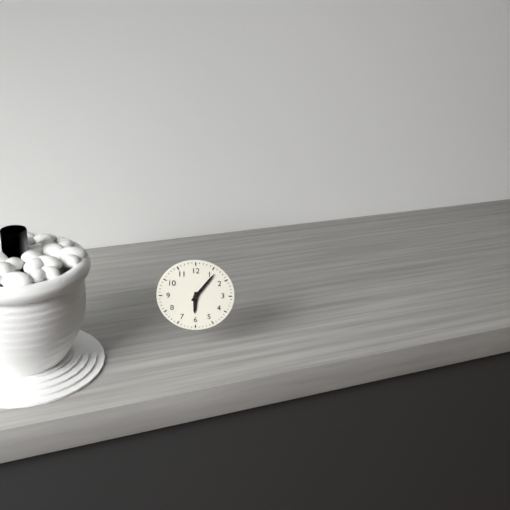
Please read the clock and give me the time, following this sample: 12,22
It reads 6,06
